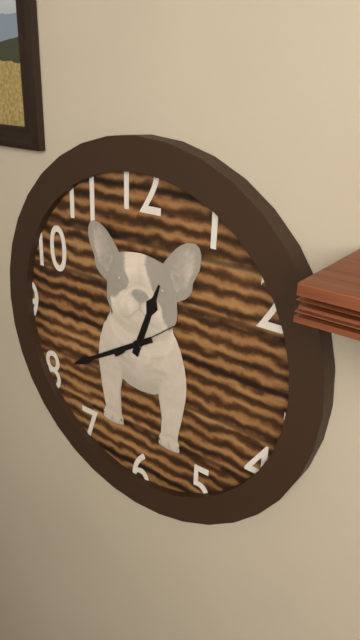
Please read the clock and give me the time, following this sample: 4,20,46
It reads 12,40,09
